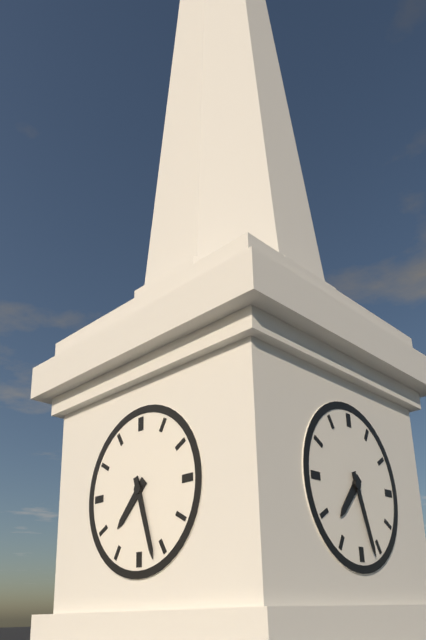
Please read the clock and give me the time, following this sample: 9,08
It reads 7,27
